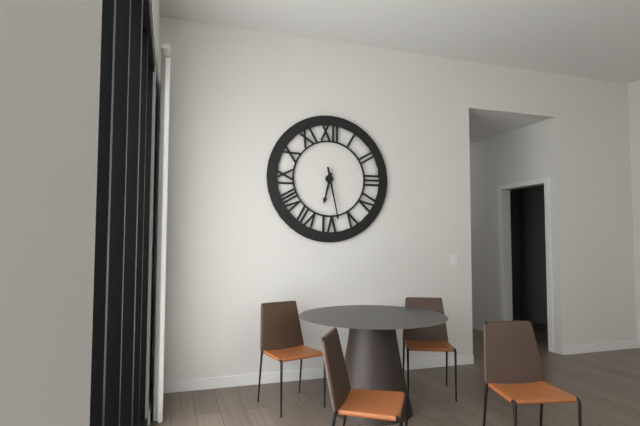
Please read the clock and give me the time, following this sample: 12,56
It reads 6,28
